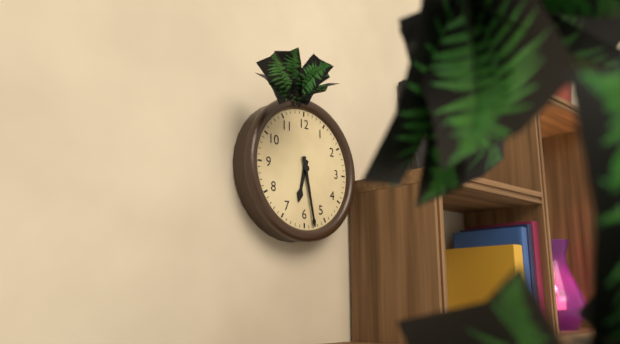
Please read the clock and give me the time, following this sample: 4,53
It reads 6,28
